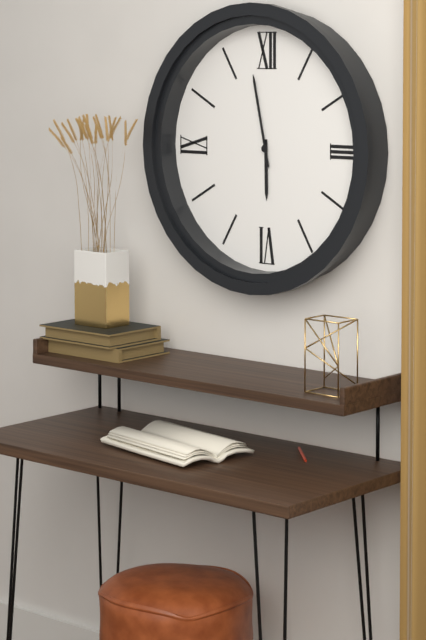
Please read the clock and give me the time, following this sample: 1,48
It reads 5,58
